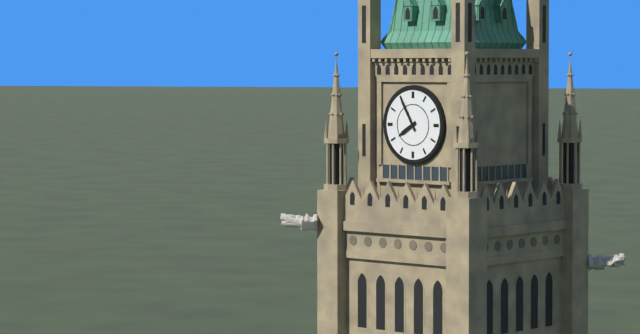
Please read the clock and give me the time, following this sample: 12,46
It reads 7,55
